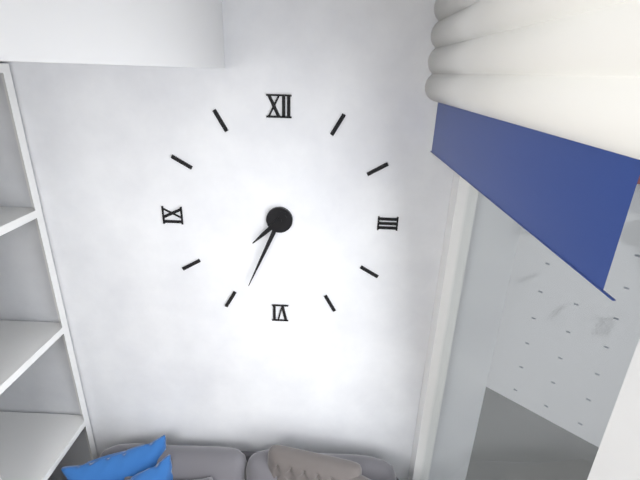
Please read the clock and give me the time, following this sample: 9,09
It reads 7,34
